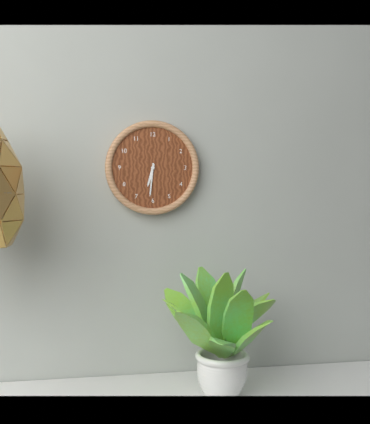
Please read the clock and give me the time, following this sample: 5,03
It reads 6,31
